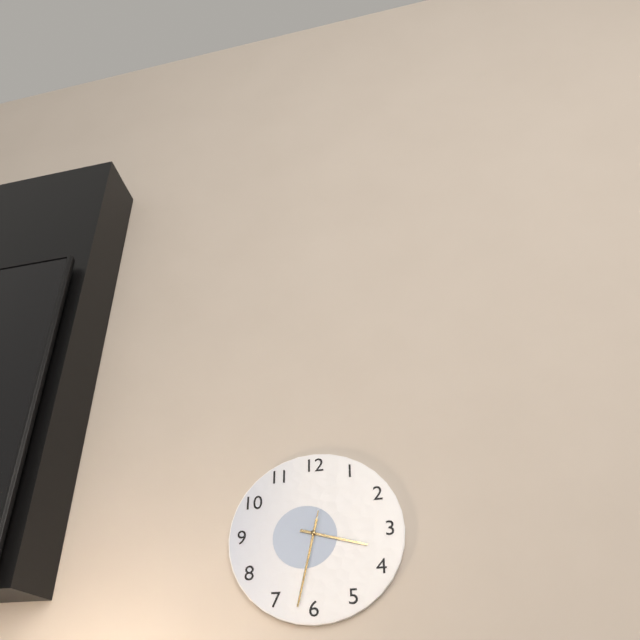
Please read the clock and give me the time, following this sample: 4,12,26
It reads 3,32,32
